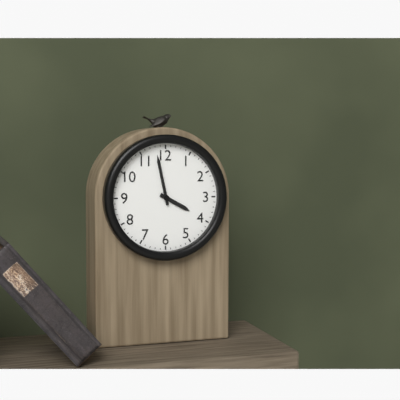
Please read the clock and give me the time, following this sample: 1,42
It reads 3,58
